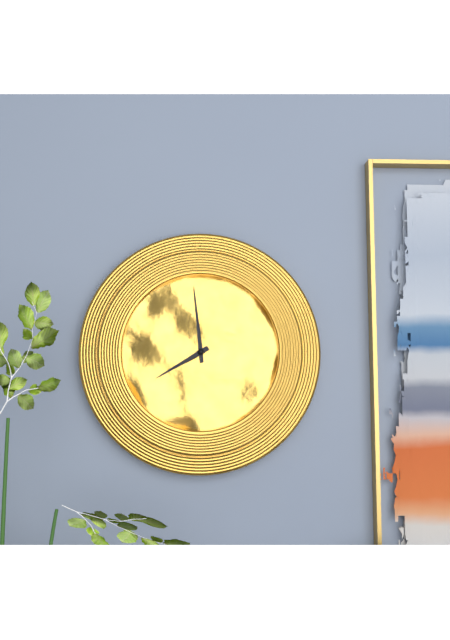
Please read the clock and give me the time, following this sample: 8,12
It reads 7,59
